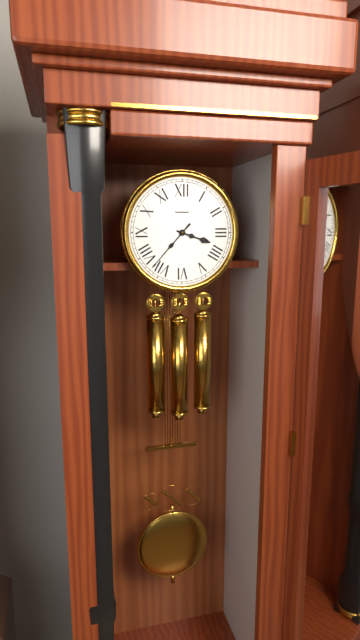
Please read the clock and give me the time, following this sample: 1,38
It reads 3,37
